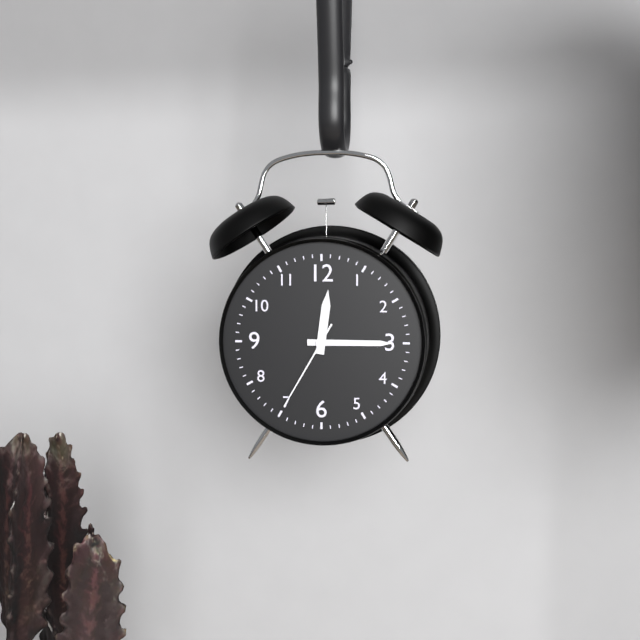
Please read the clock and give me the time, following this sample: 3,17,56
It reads 12,15,35
